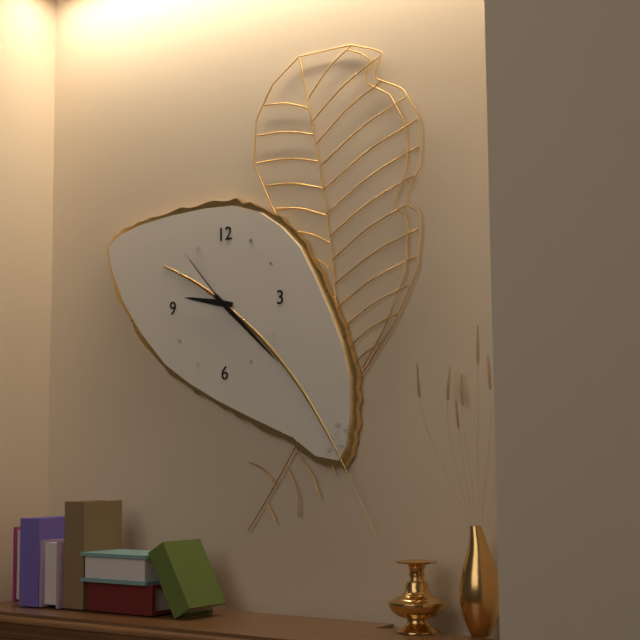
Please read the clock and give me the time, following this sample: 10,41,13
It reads 9,22,53
